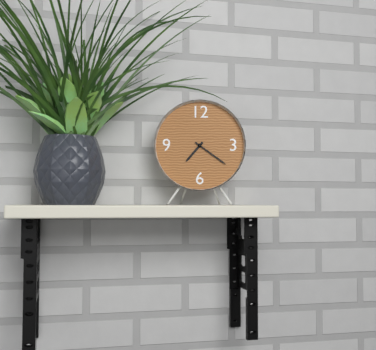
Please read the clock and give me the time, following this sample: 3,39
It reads 7,21
